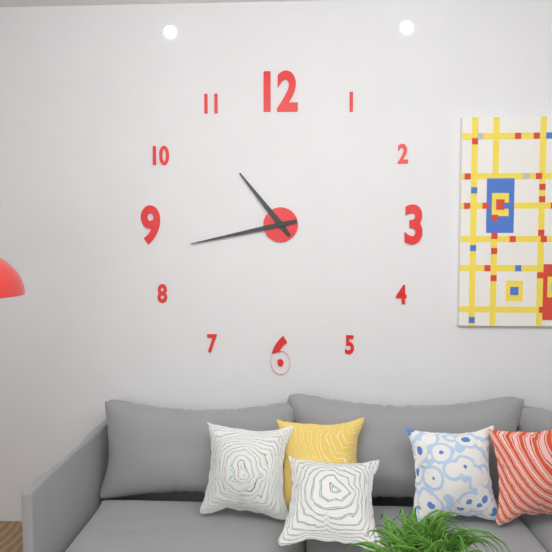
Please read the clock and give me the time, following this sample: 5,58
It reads 10,43
